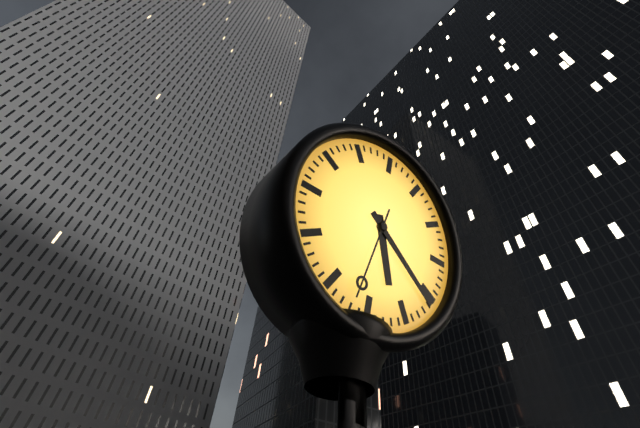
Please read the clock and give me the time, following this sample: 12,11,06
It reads 5,21,32
